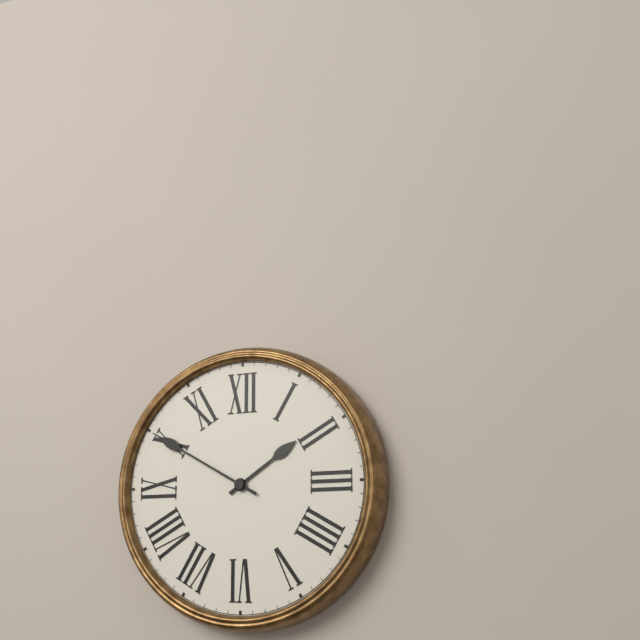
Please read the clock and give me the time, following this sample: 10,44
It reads 1,50
